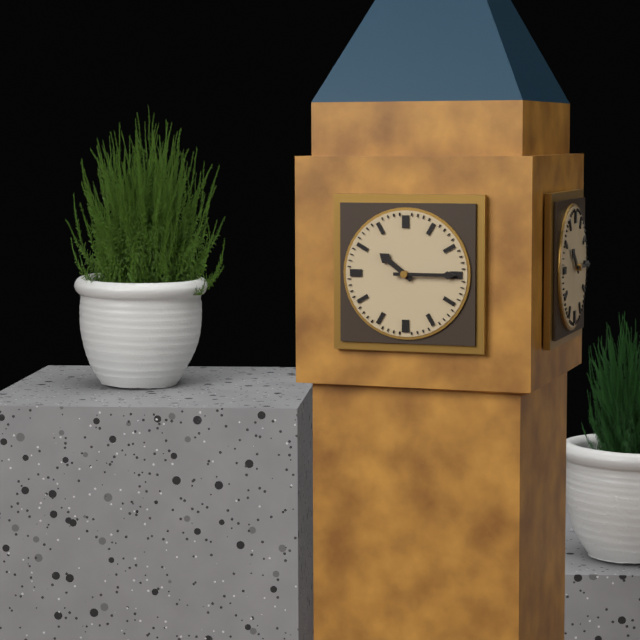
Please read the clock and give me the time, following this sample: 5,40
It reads 10,15
